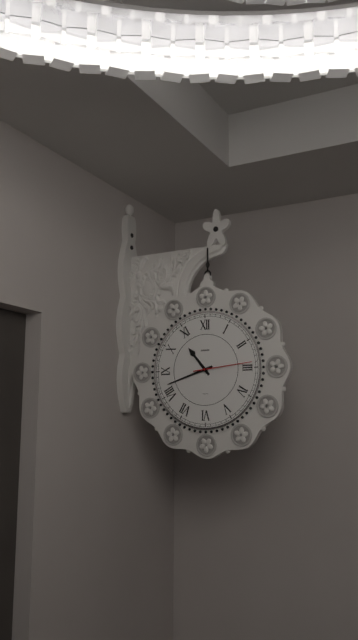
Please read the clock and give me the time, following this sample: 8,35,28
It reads 10,42,14
